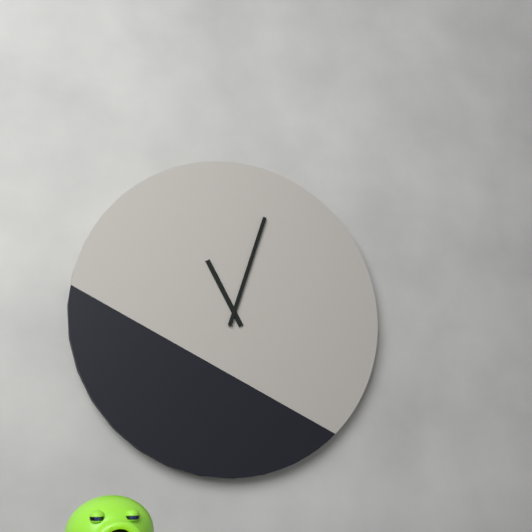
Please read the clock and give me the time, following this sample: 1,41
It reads 11,03
